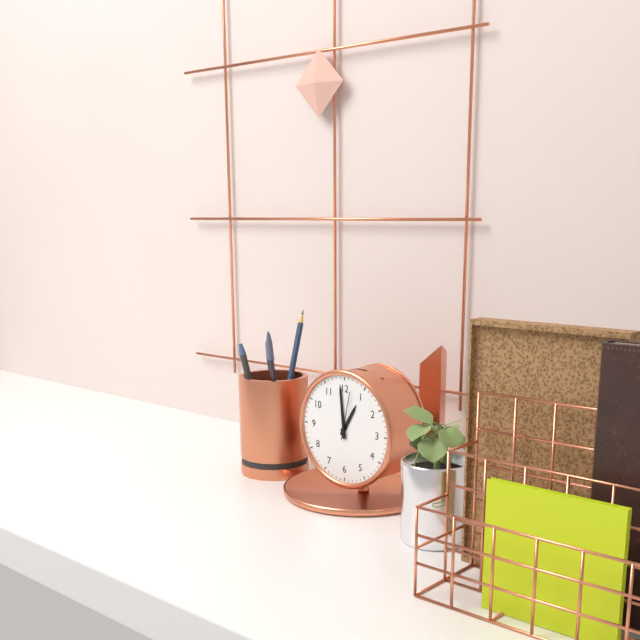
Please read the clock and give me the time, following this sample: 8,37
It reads 12,59
